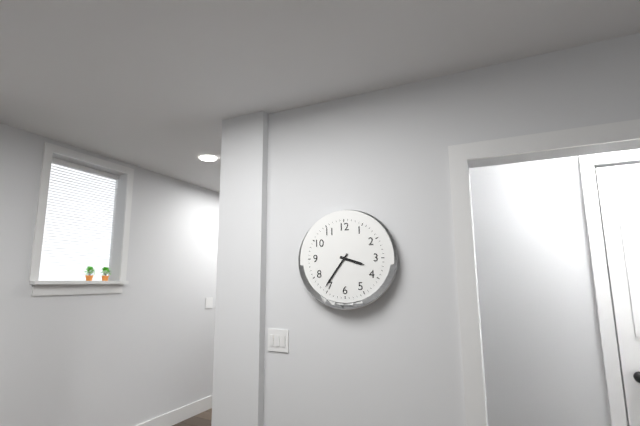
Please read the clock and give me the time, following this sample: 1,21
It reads 3,36
